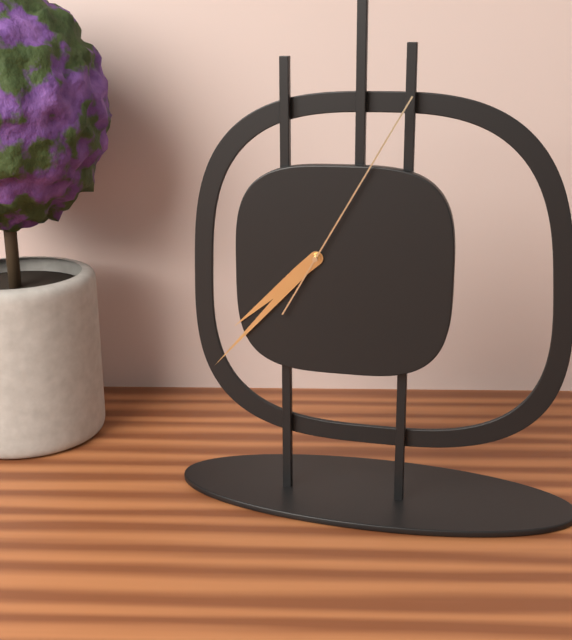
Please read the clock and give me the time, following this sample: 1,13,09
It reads 7,37,05
